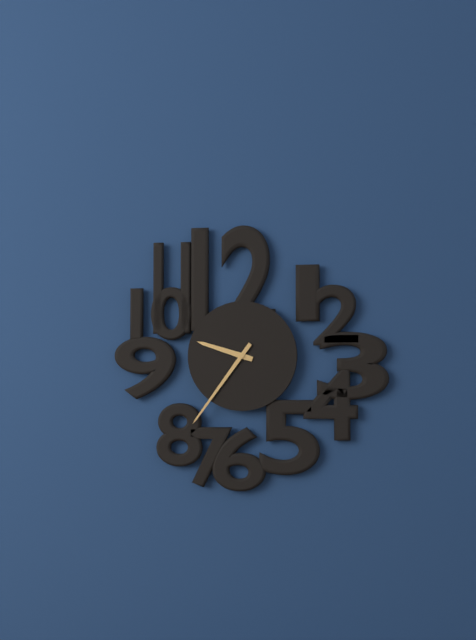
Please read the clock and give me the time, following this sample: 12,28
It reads 9,36
